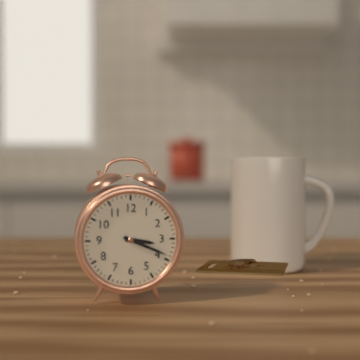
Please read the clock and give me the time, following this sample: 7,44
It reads 3,19
